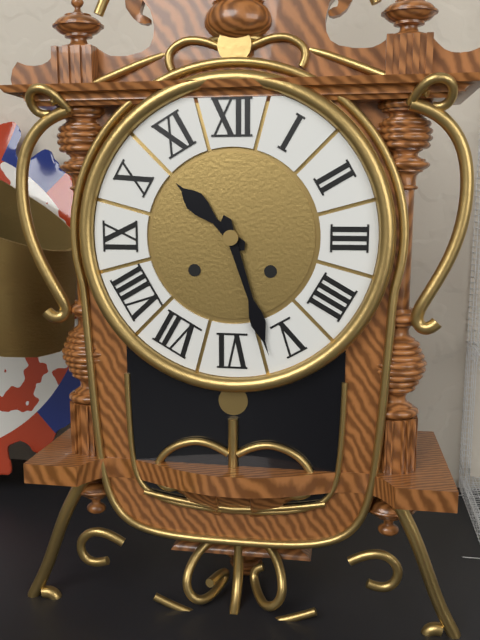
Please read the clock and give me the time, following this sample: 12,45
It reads 10,27
